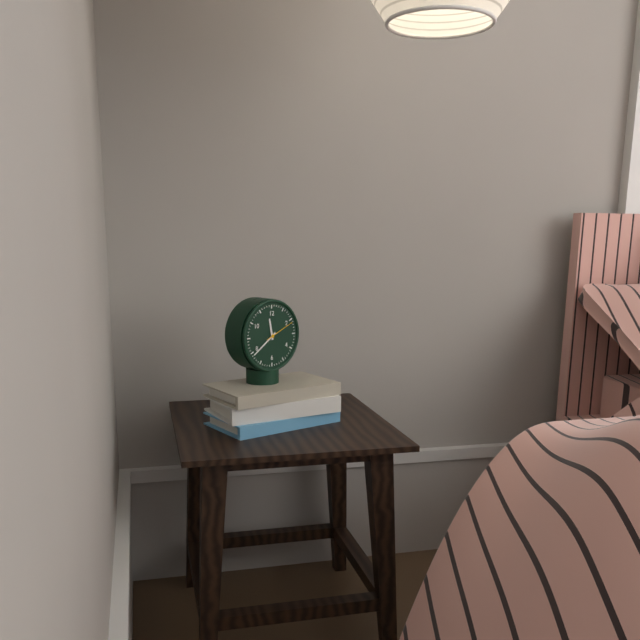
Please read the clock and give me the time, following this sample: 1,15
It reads 11,39
